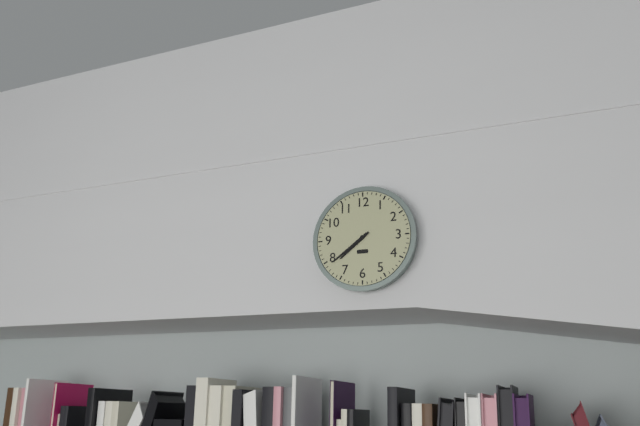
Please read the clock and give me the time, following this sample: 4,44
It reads 7,39
